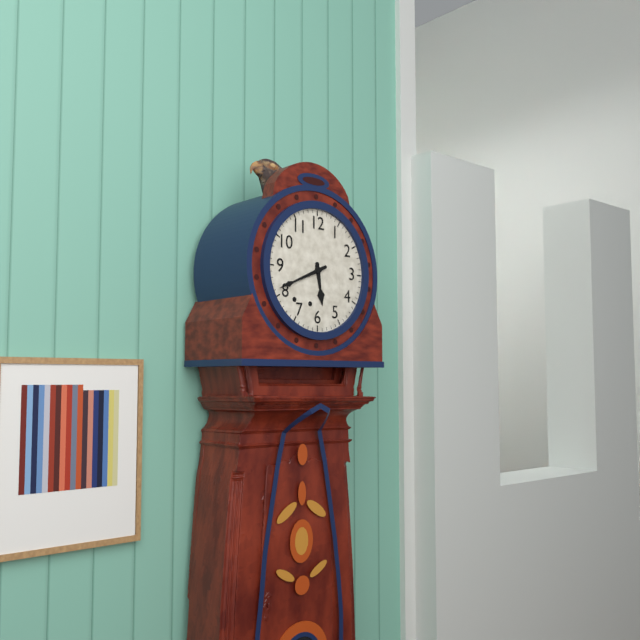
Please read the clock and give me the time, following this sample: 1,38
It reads 5,41
